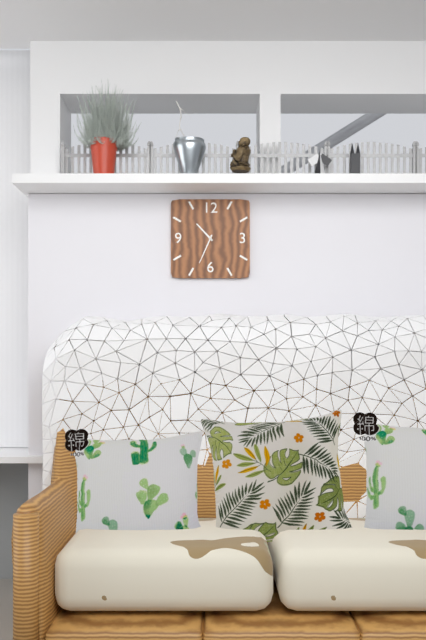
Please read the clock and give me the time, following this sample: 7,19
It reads 10,34
